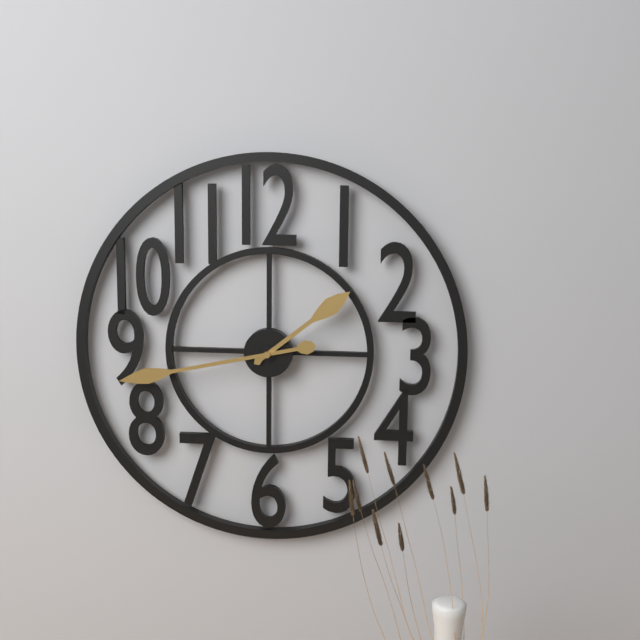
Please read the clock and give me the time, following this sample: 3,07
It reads 1,43
